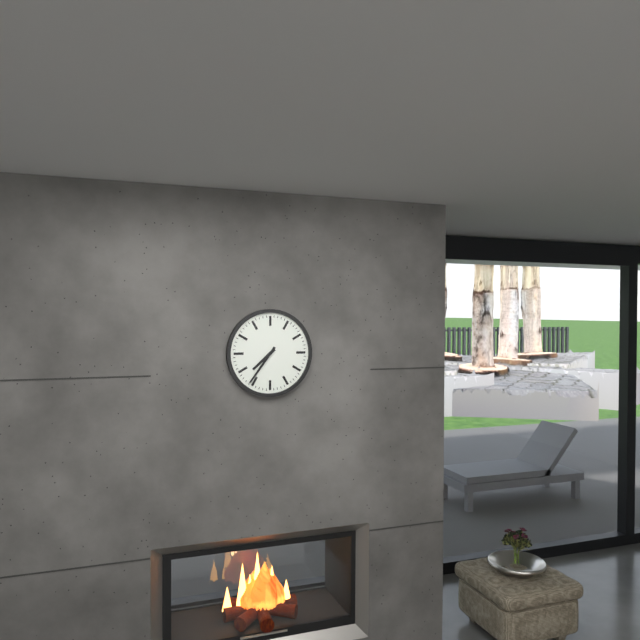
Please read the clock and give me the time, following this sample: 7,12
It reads 7,36
